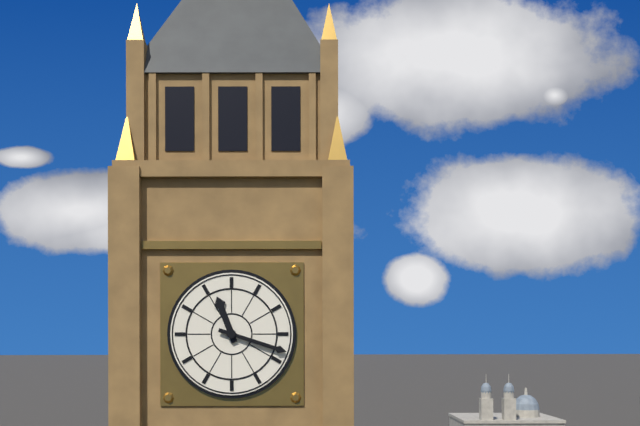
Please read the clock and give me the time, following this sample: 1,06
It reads 11,18
